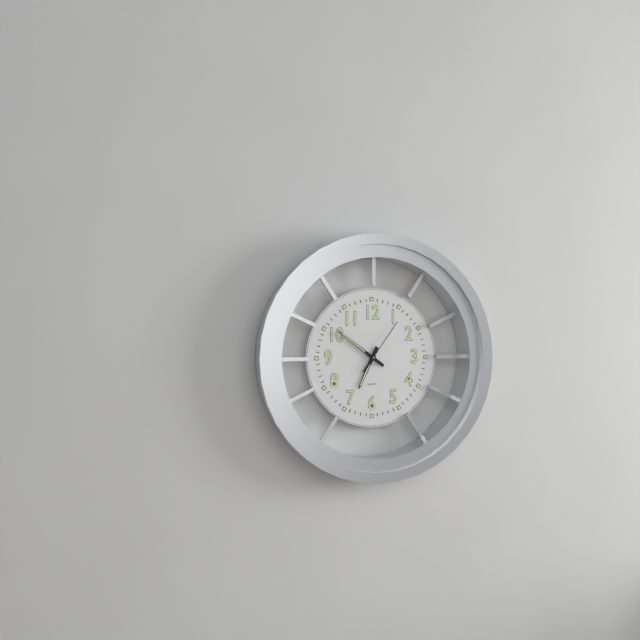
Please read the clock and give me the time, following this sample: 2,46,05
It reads 6,51,06
